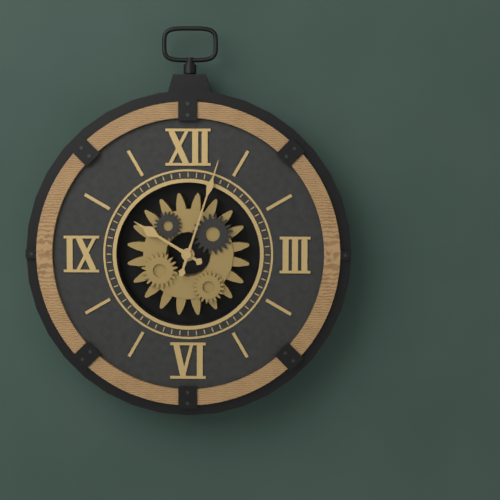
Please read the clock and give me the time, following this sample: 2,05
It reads 10,03
